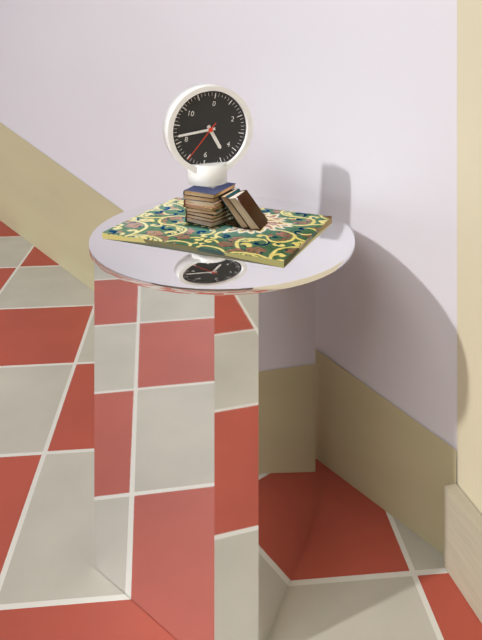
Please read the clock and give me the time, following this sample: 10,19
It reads 4,42
